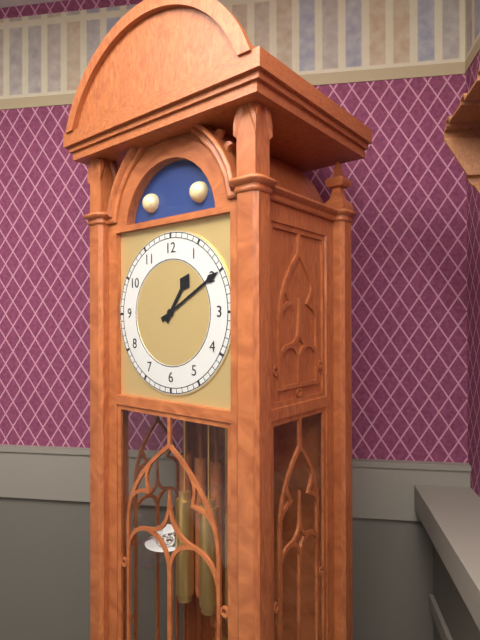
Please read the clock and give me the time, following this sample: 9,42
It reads 1,10
